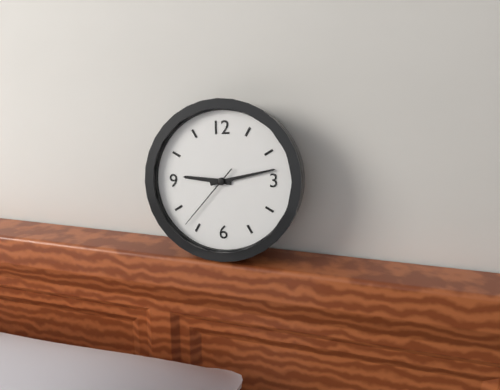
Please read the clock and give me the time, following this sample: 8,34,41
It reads 9,13,37
